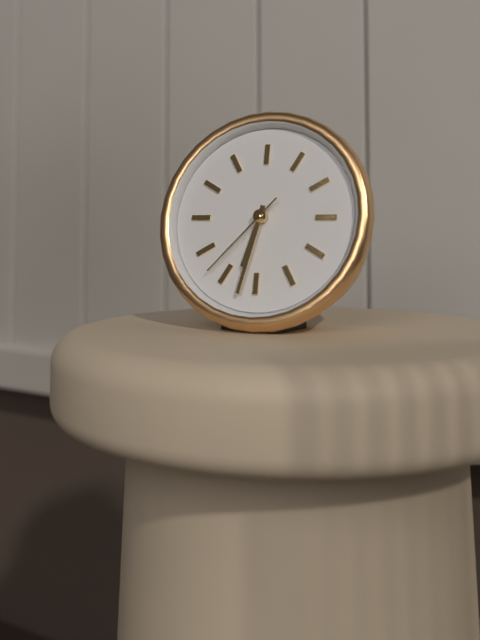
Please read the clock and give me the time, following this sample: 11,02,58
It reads 6,32,37
